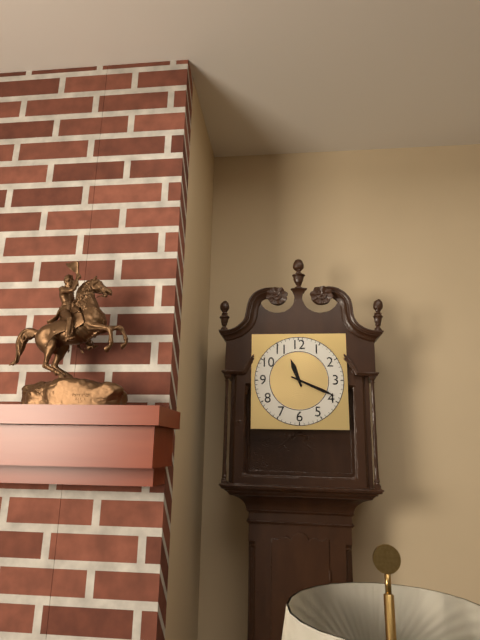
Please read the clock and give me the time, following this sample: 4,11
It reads 11,19
